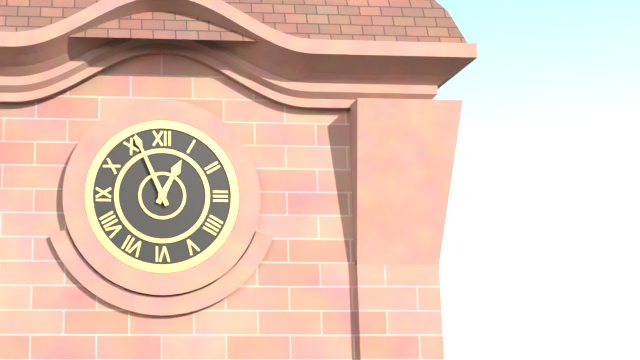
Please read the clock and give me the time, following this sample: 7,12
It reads 12,56
